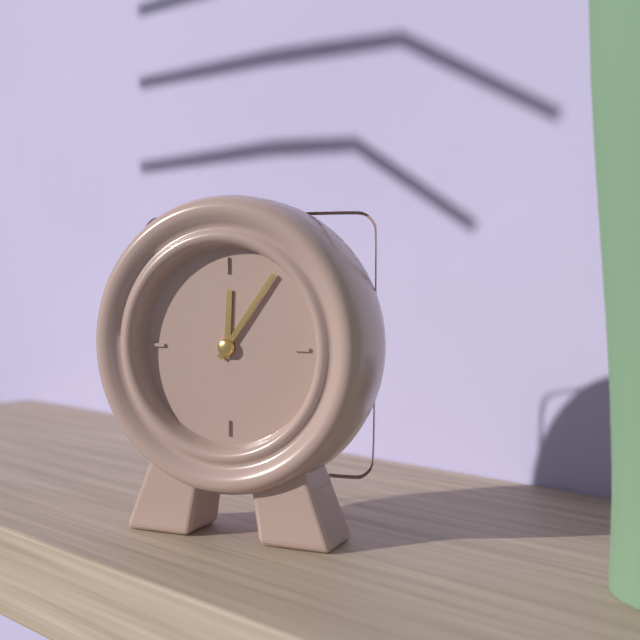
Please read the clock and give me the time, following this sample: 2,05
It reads 12,06
